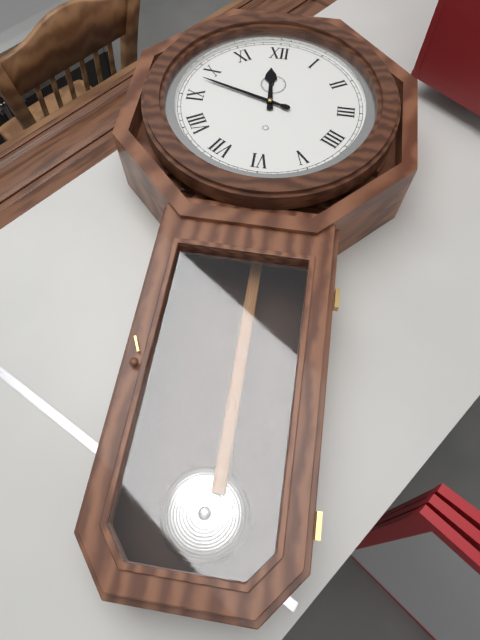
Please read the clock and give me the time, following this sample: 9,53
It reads 11,48
